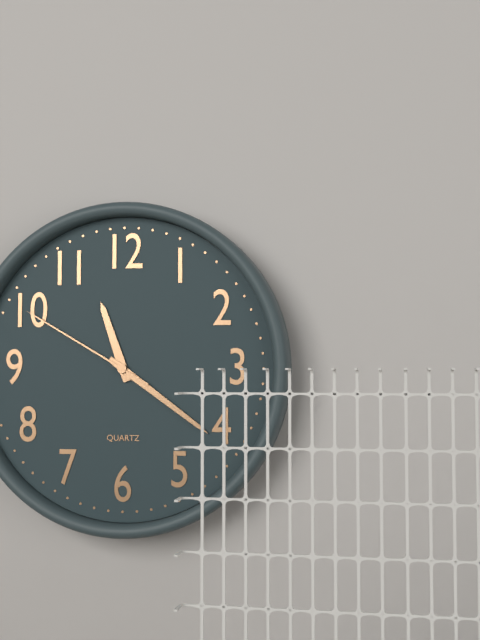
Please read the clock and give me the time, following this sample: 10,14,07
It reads 11,21,50
